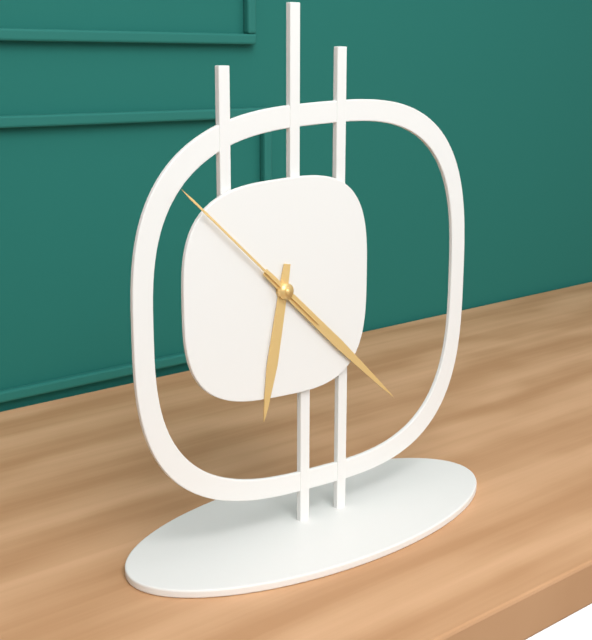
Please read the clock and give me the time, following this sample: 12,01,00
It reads 6,22,52
